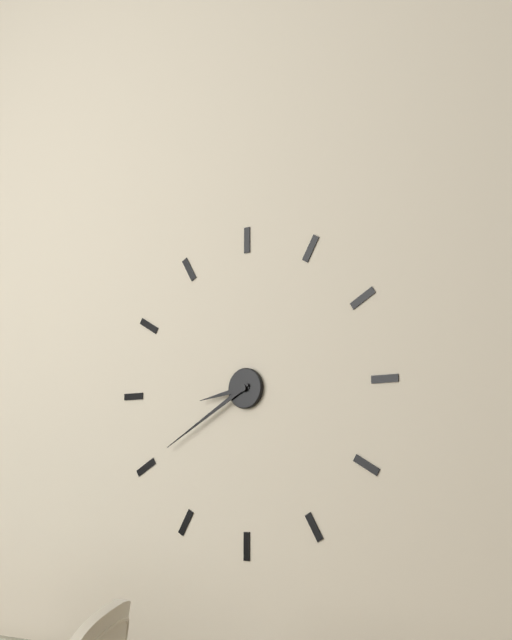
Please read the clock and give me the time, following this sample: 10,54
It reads 8,40
